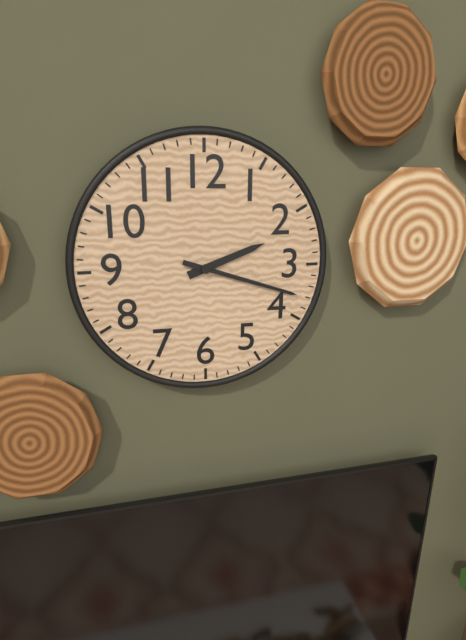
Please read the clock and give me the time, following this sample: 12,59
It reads 2,18
